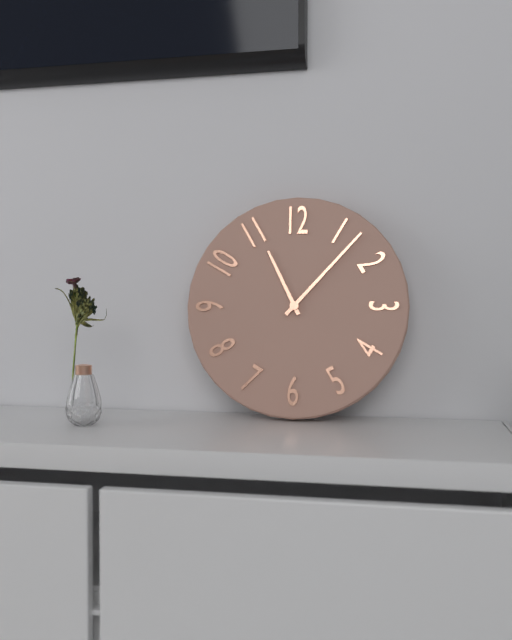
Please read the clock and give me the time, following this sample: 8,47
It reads 11,07
